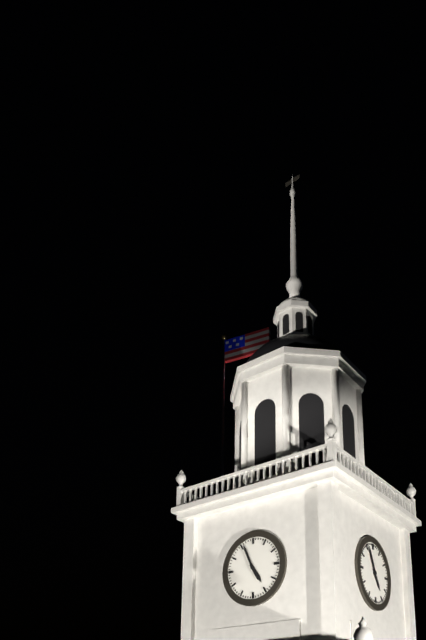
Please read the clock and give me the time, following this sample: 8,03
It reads 4,56
